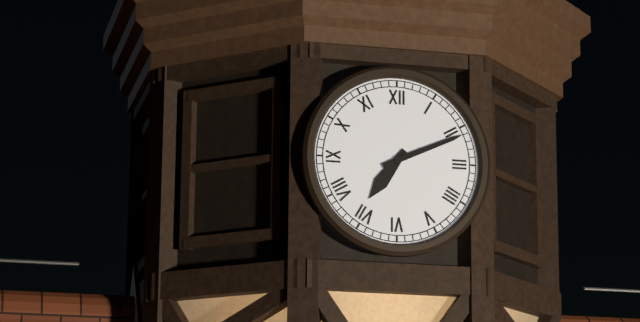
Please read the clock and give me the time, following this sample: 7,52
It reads 7,11
